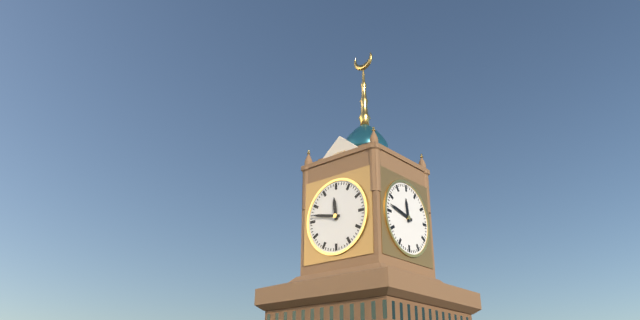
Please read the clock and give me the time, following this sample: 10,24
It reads 11,47
